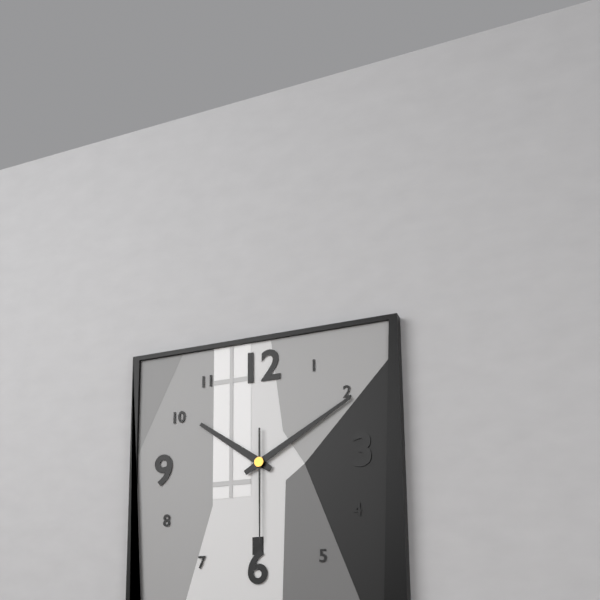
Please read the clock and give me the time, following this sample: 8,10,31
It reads 10,10,30
